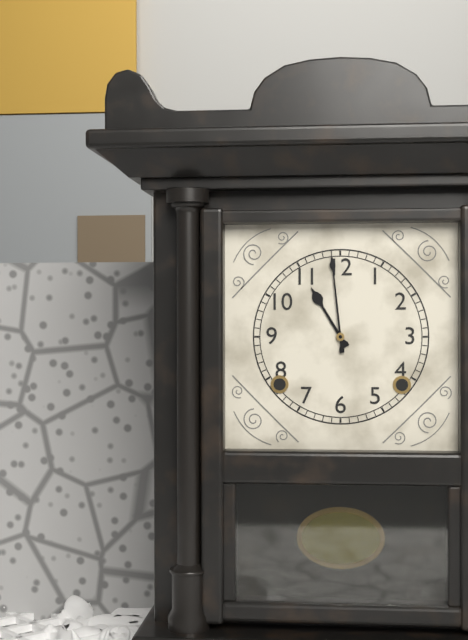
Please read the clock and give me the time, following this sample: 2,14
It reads 10,59
